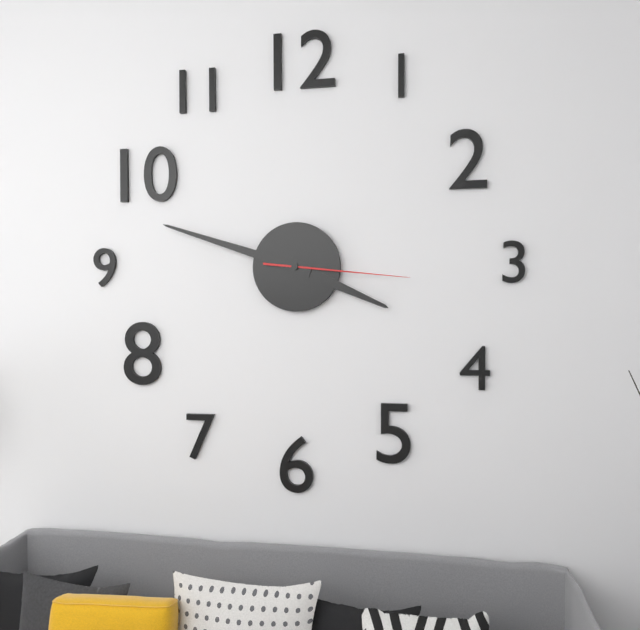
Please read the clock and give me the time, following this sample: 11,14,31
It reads 3,48,16
